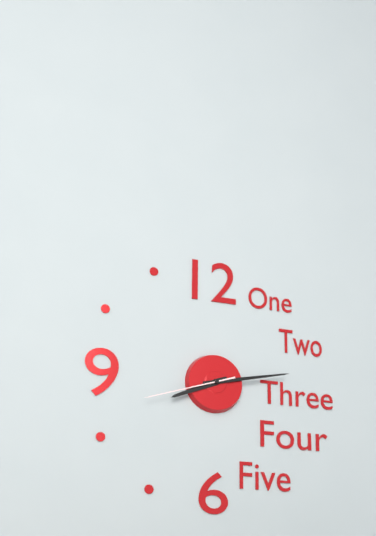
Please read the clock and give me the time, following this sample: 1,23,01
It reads 8,13,42
